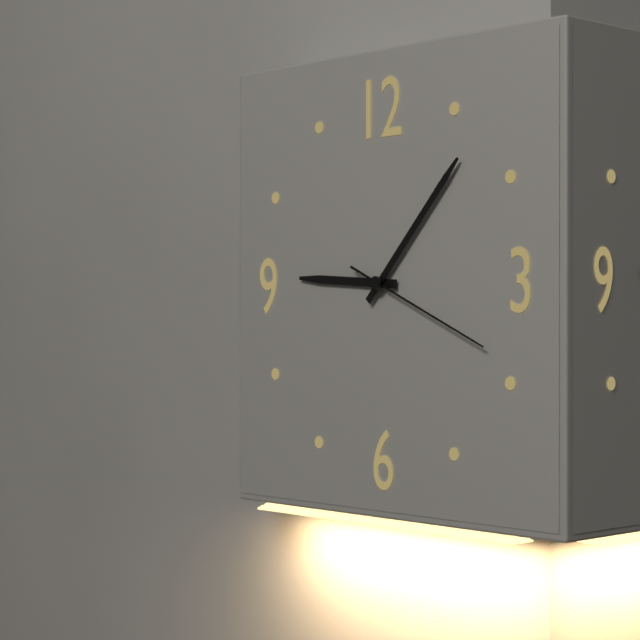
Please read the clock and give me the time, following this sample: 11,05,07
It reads 9,07,19
